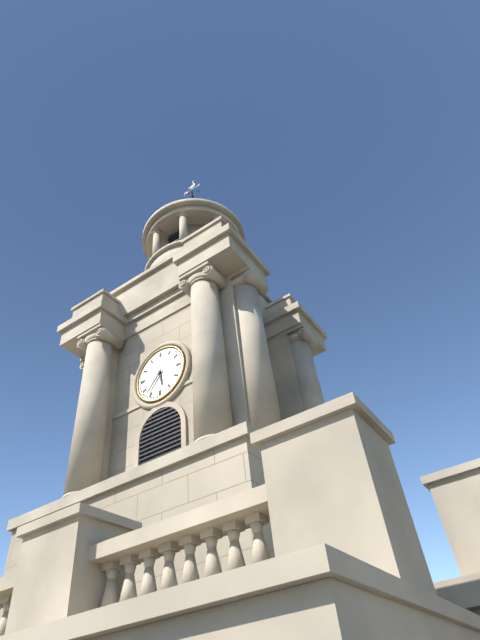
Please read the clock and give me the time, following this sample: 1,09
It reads 5,37
